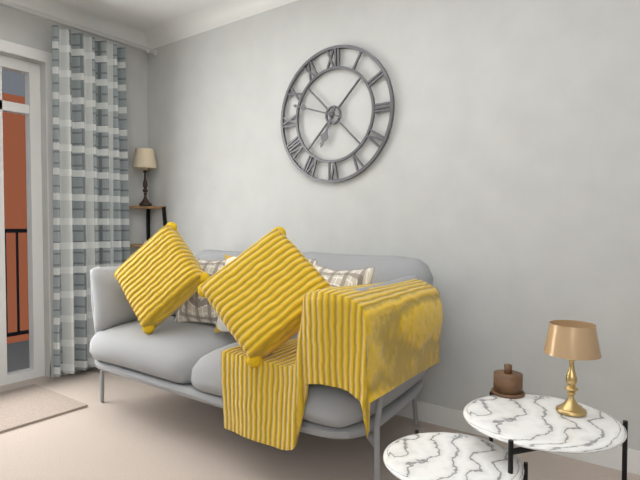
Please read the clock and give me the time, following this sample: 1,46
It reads 6,48
